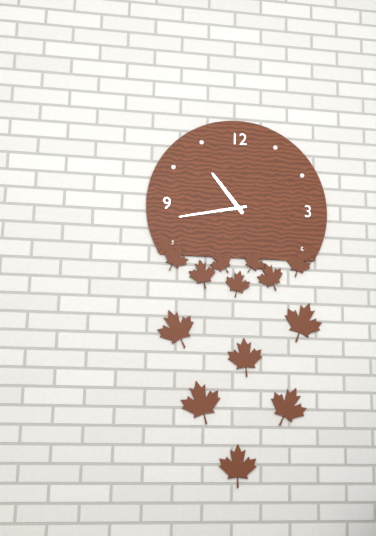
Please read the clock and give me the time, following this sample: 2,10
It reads 10,43
